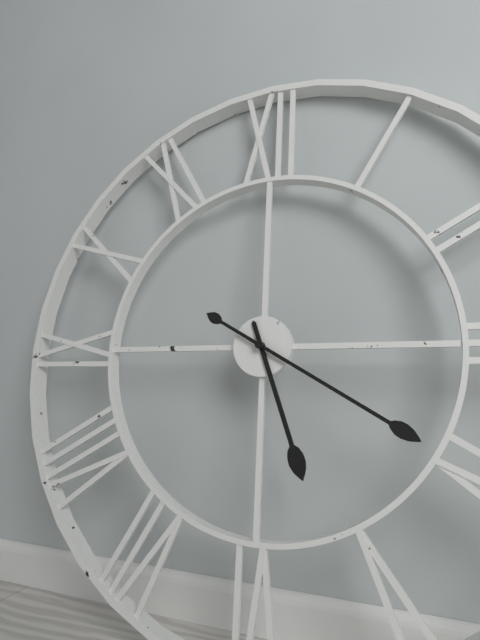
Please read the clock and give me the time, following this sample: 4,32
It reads 5,20
